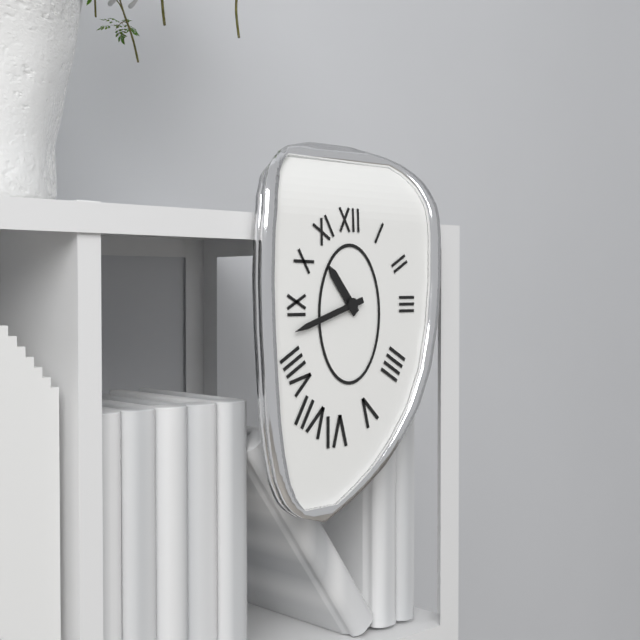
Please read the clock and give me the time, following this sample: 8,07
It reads 10,42
